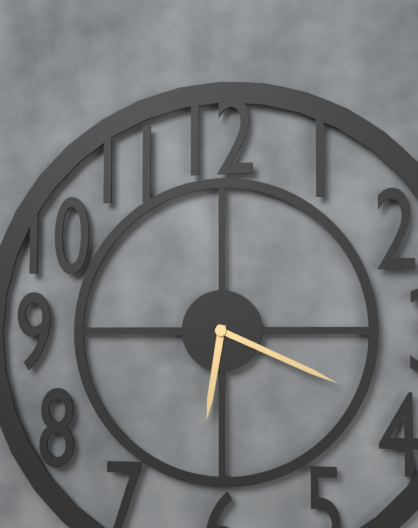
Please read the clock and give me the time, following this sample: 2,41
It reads 6,19
